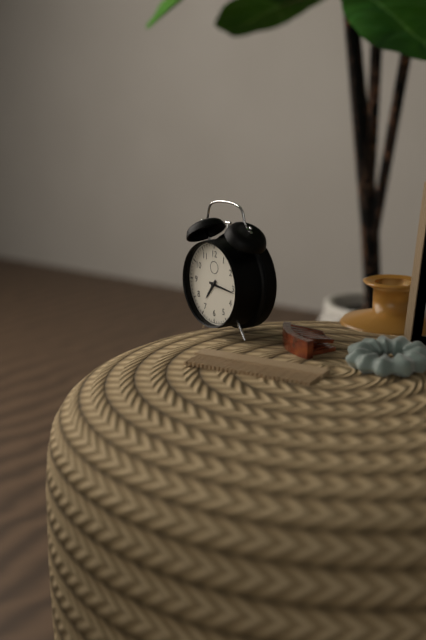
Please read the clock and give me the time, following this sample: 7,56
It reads 7,16
